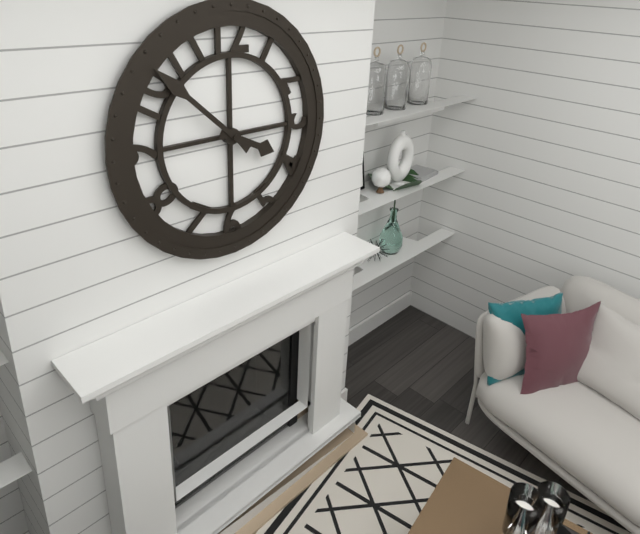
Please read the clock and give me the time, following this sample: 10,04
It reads 3,52
